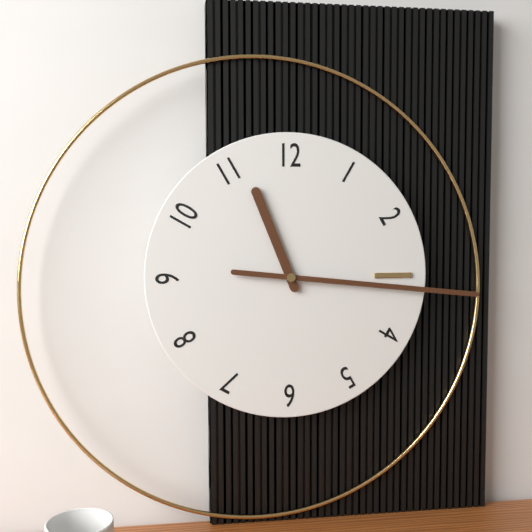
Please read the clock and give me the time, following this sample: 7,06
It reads 11,16
